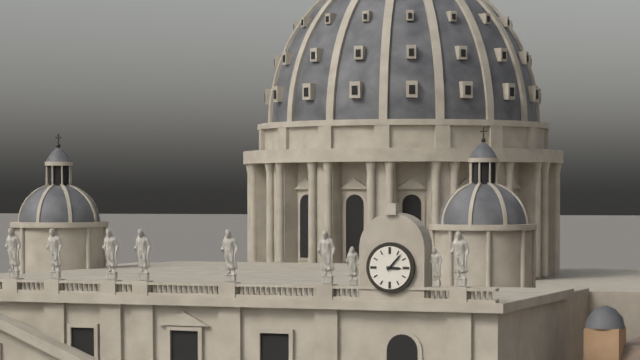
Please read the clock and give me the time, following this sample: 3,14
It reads 3,07
